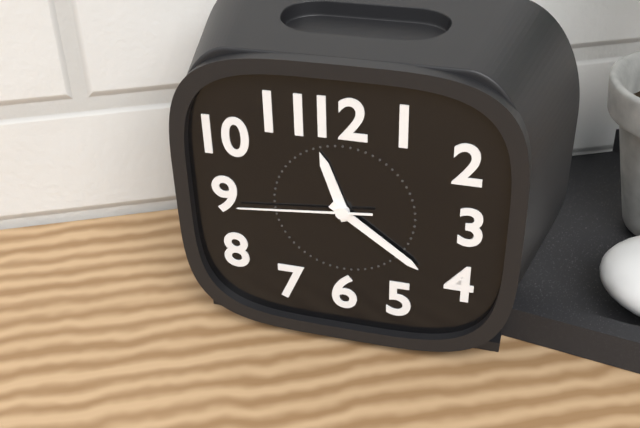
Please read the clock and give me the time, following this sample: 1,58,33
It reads 11,21,44
